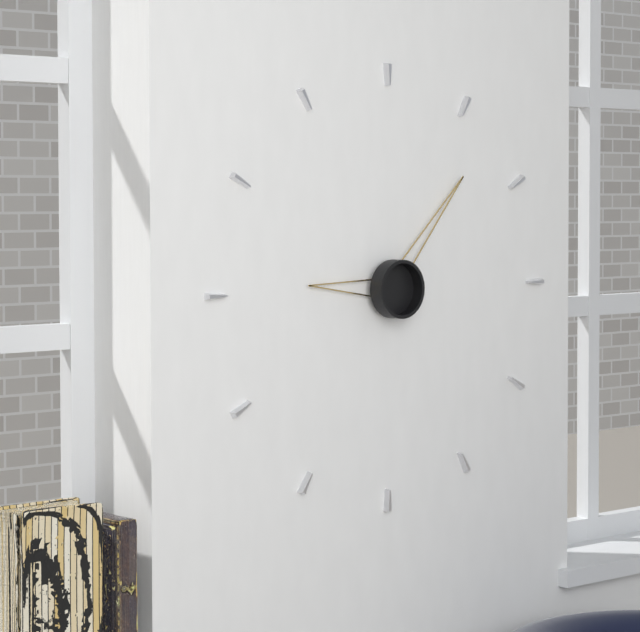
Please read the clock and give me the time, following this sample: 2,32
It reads 9,07
